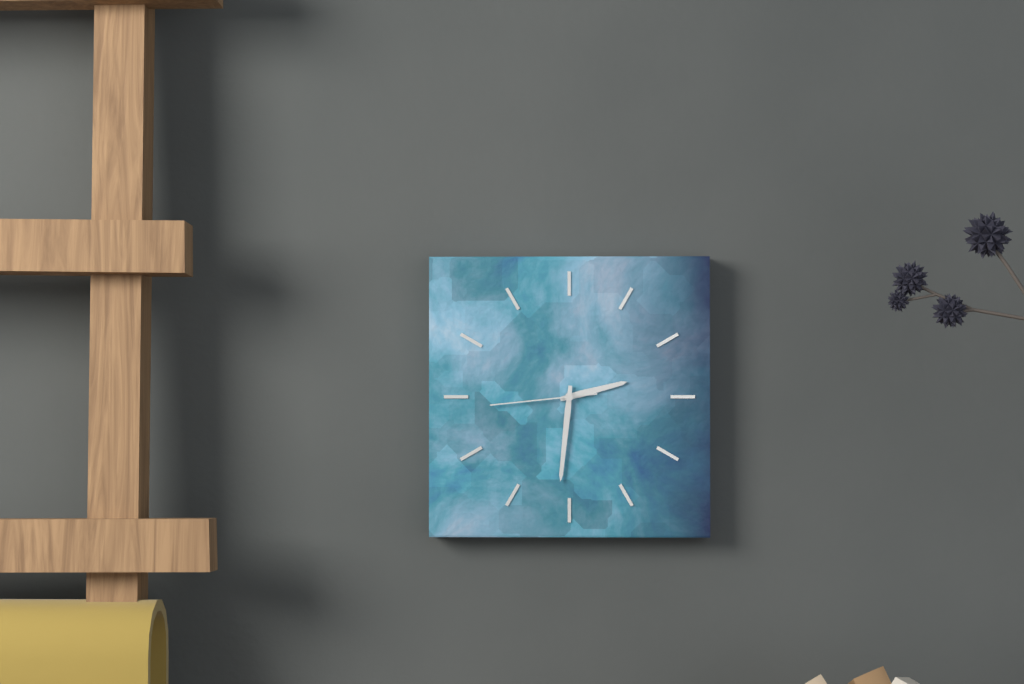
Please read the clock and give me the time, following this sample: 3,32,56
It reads 2,31,44
